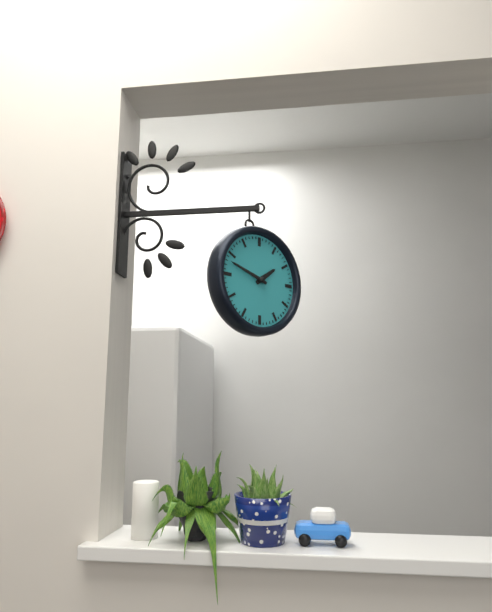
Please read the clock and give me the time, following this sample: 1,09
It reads 1,48
